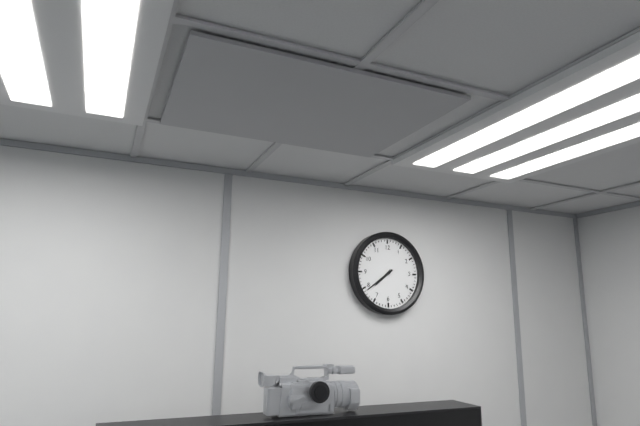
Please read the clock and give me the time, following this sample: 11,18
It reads 7,39
